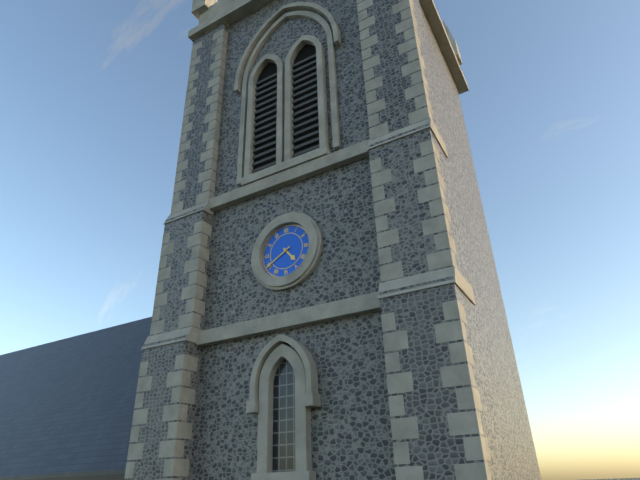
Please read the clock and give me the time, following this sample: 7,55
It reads 4,40
